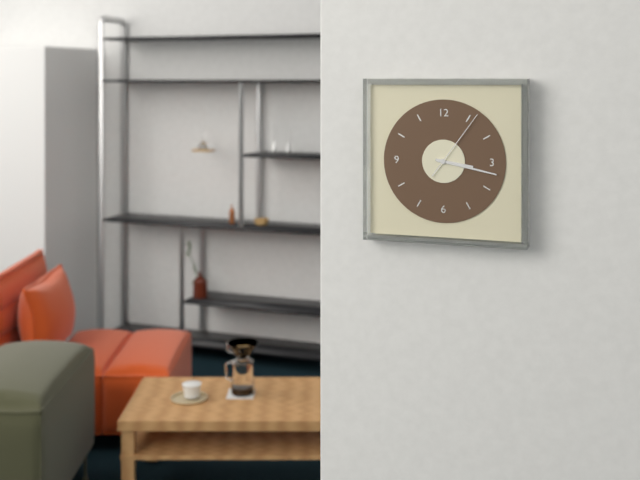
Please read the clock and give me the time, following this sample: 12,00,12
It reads 3,17,06
